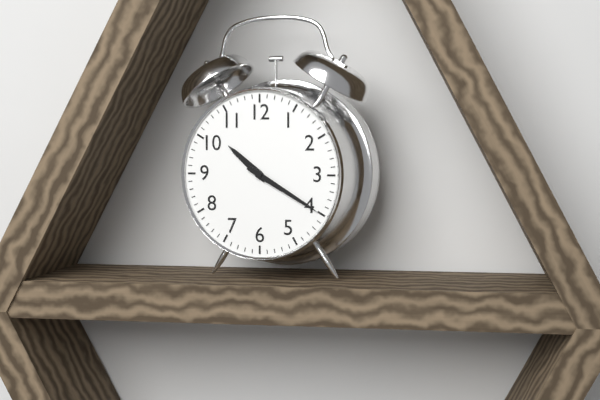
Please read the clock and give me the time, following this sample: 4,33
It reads 10,20
